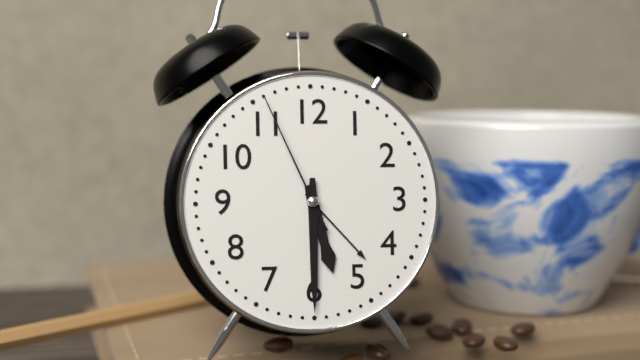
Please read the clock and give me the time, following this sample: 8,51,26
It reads 5,30,56
